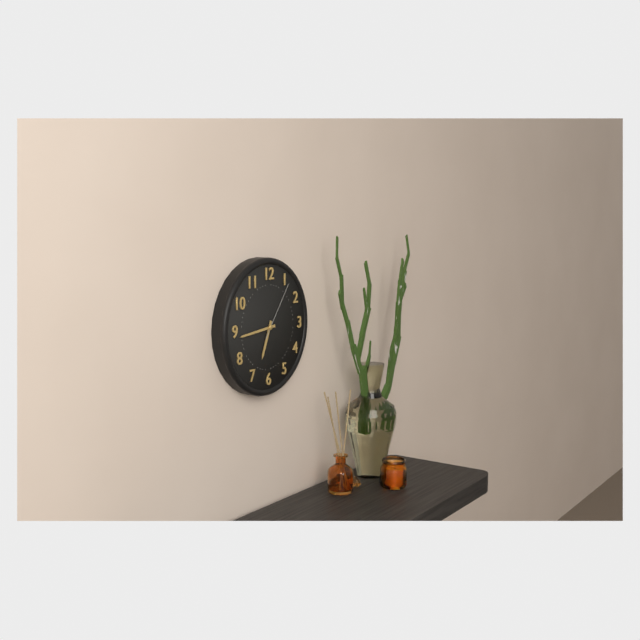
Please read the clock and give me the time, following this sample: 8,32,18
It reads 6,44,06
